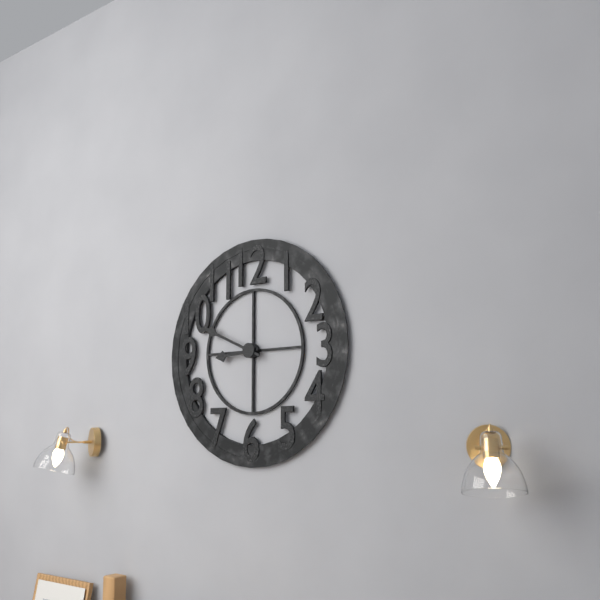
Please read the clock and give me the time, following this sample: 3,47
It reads 8,49
